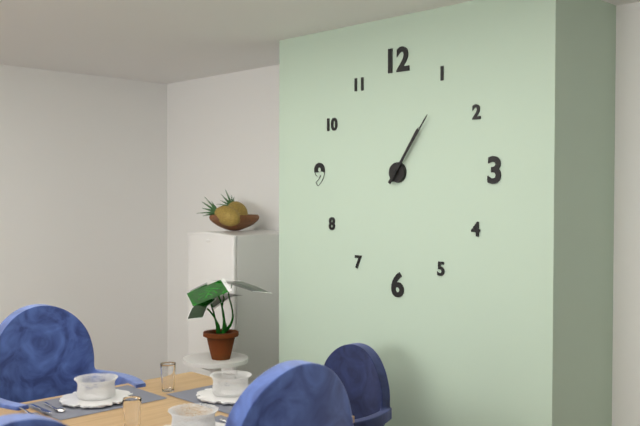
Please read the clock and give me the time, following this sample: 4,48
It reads 1,06
